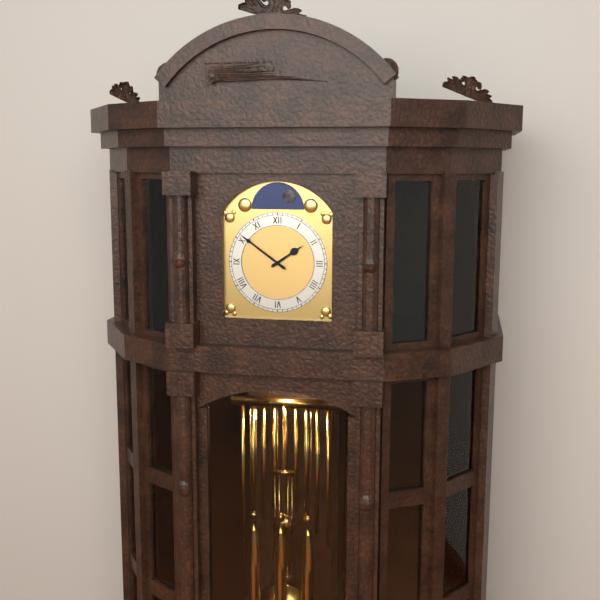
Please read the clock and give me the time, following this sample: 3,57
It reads 1,51
